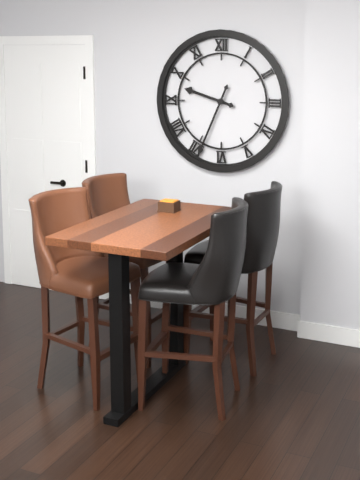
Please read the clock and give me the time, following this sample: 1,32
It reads 9,34
